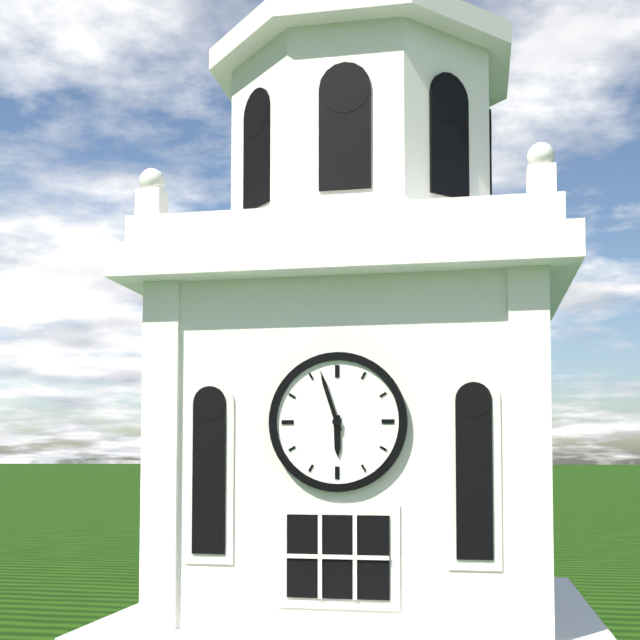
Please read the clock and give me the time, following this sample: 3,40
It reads 5,57
